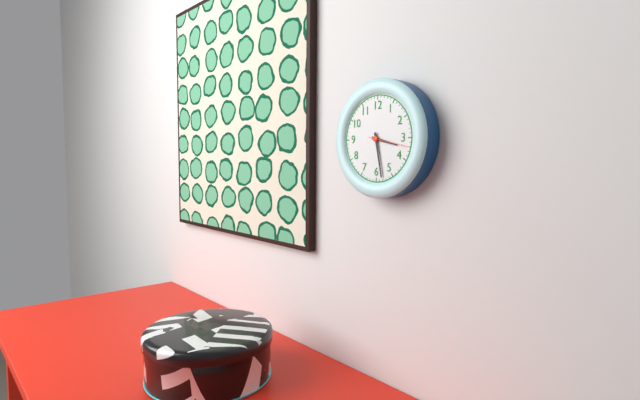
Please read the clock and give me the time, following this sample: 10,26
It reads 3,28
